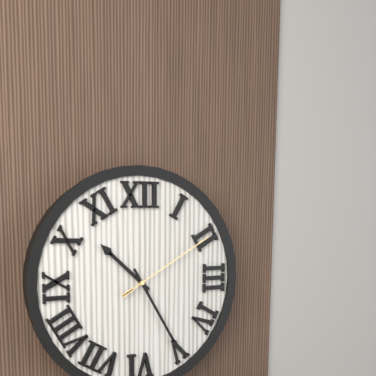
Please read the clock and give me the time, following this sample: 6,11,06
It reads 10,25,10
